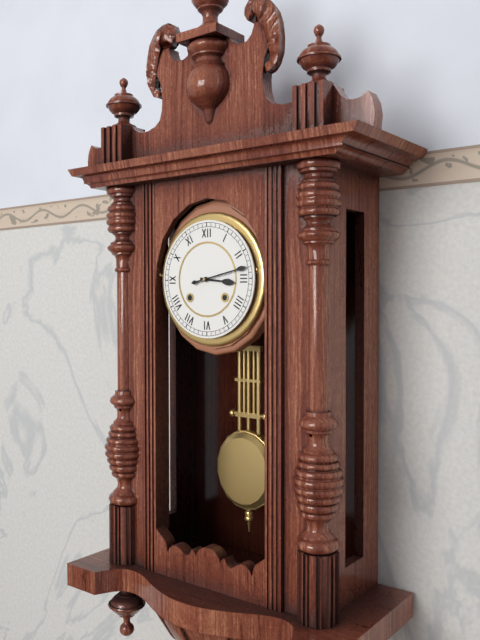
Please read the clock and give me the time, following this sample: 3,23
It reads 3,13
